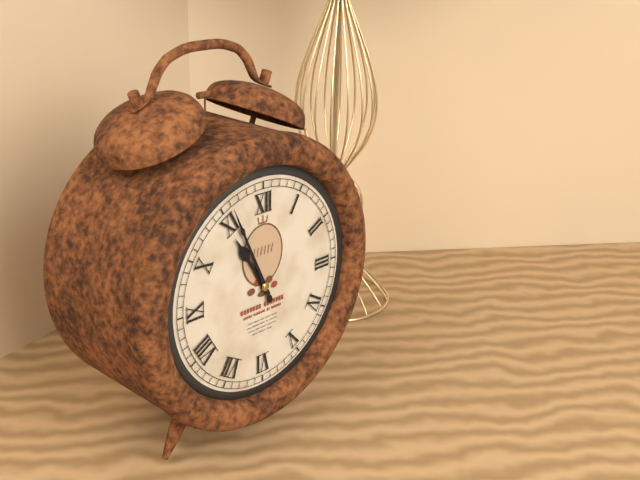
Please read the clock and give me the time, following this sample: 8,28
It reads 10,56
